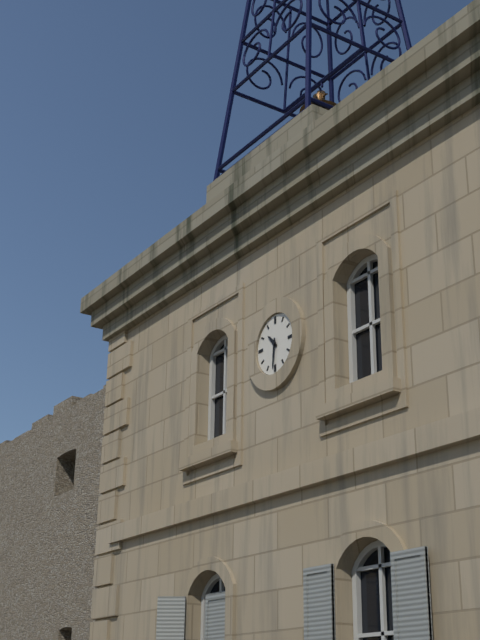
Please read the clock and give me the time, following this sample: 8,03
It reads 10,31
